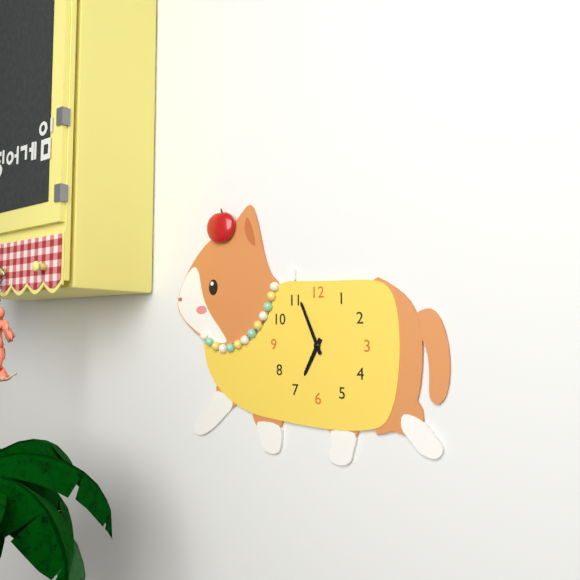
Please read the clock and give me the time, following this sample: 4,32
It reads 6,56
